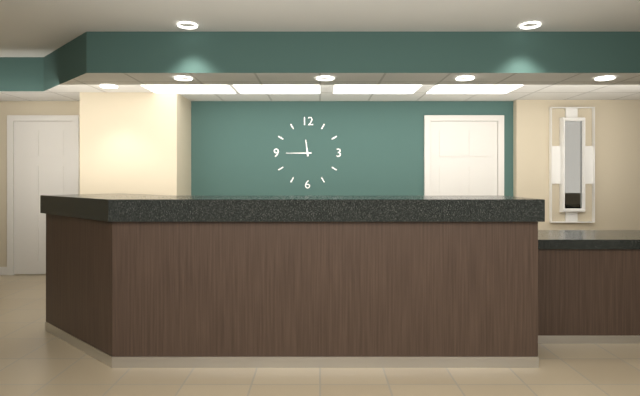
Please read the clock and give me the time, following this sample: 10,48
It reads 11,45
